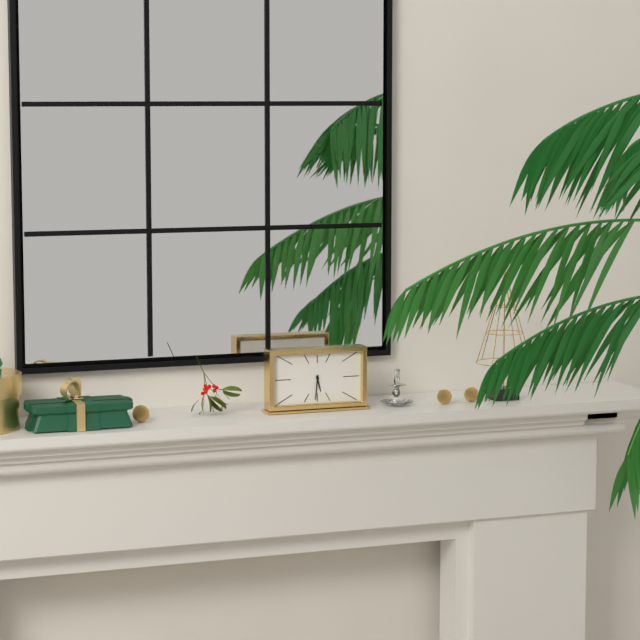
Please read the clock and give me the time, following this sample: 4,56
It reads 5,31
